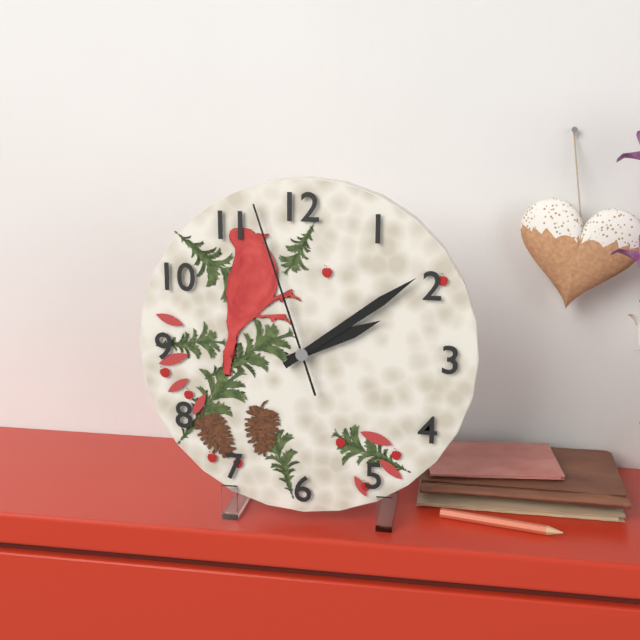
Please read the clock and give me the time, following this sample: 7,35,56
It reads 2,09,57
